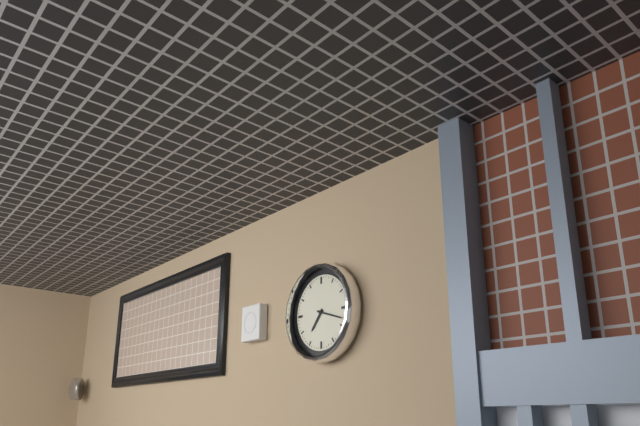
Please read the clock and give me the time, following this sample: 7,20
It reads 7,18
